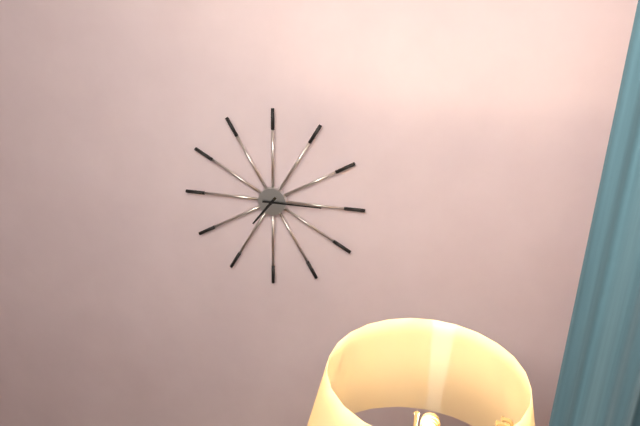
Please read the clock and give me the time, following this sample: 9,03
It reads 7,15
